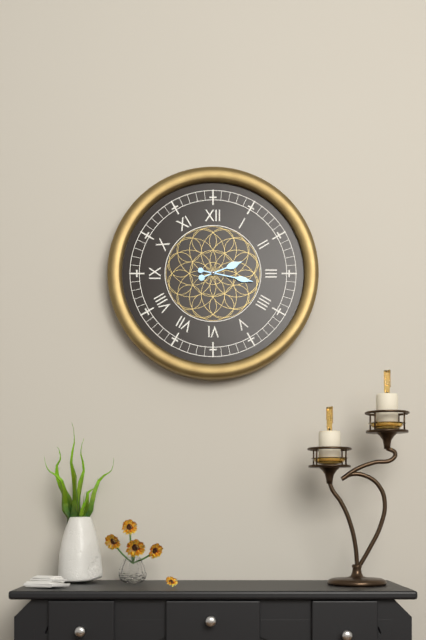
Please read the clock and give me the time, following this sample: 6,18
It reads 2,17
